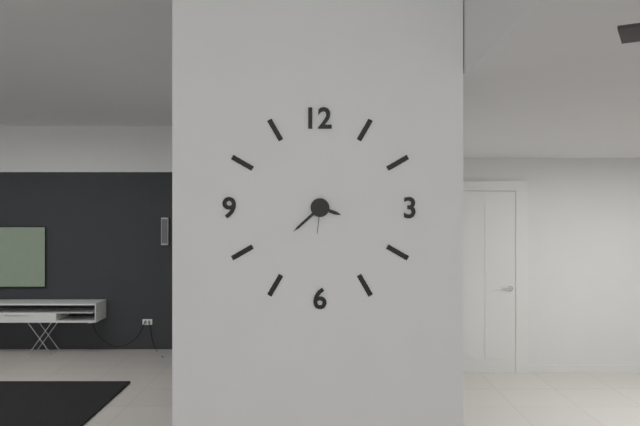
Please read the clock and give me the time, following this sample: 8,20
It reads 3,38
